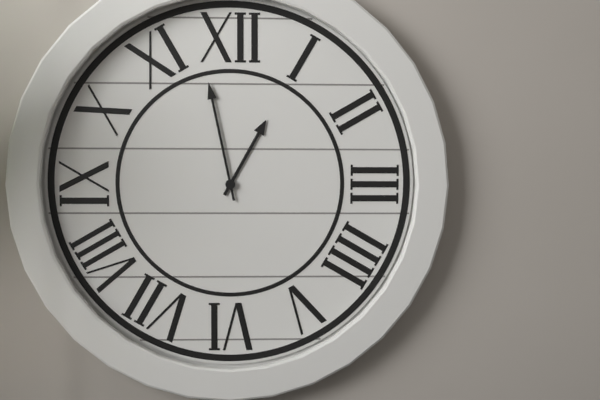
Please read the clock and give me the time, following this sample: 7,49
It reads 12,58
